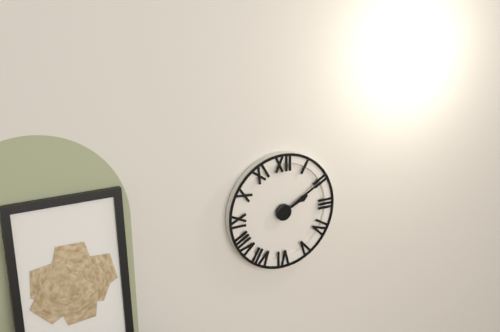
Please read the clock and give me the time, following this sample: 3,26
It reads 2,10
